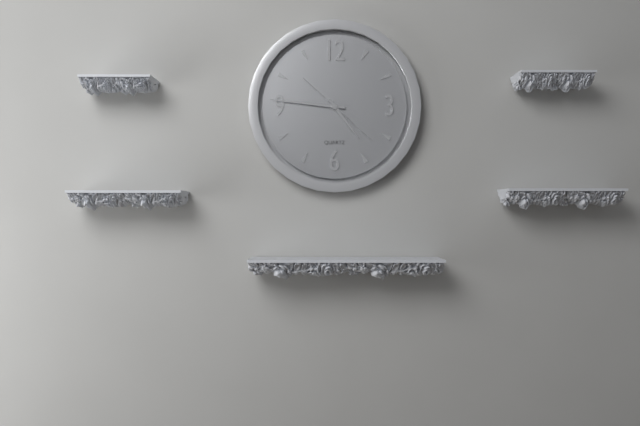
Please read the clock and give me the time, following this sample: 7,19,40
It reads 4,46,22
